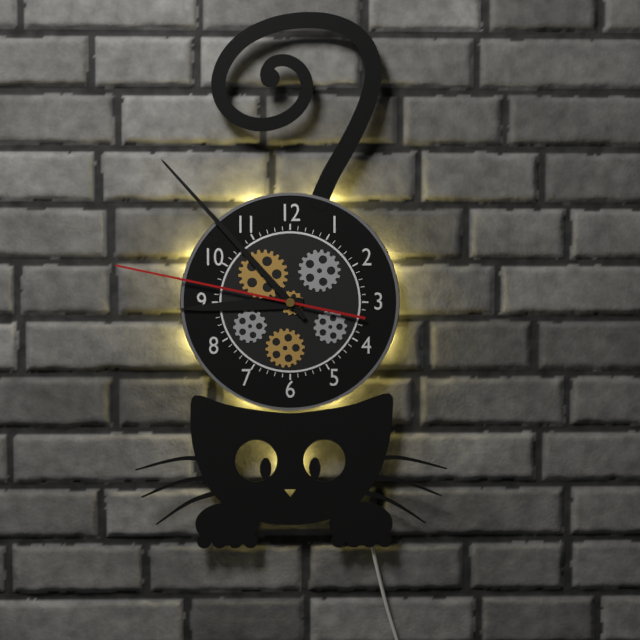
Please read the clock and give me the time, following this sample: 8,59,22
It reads 8,53,47
